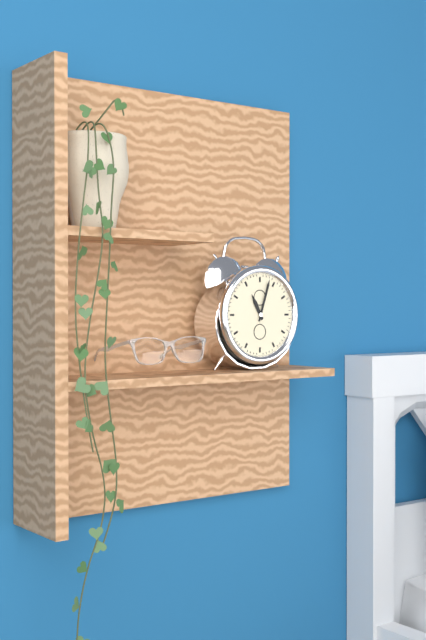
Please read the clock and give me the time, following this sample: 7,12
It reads 11,03
